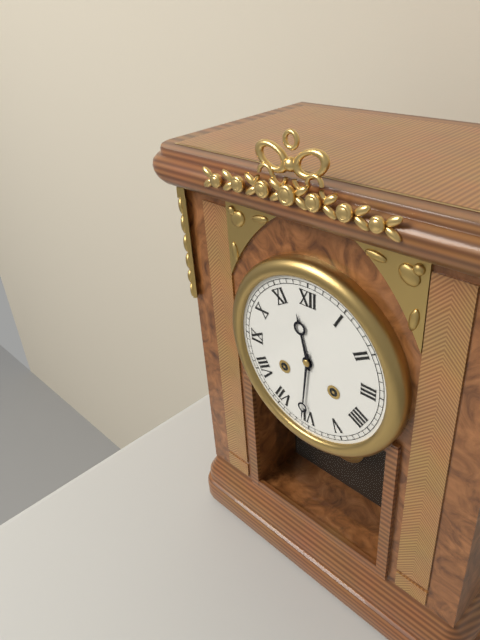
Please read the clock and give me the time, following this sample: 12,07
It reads 11,31
